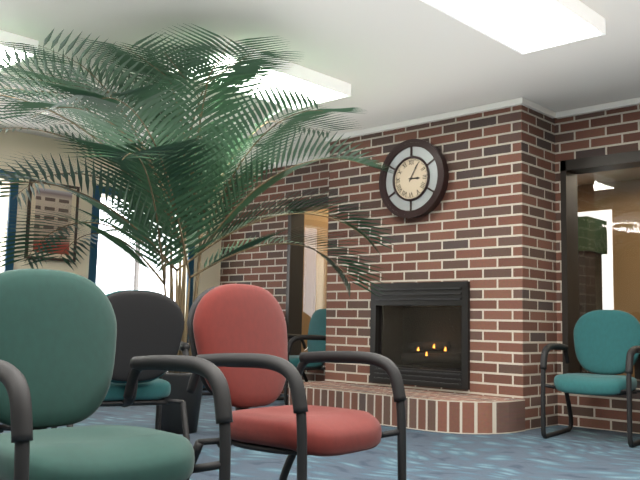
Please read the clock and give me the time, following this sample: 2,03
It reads 3,05
